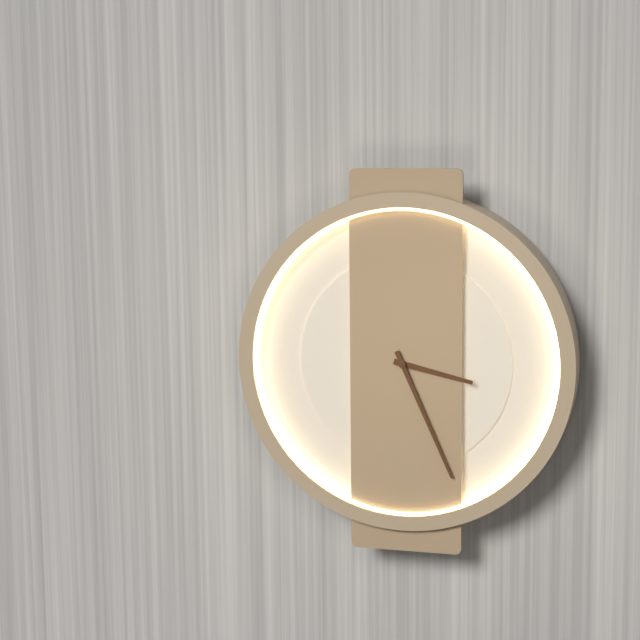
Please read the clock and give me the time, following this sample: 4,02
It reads 3,26
